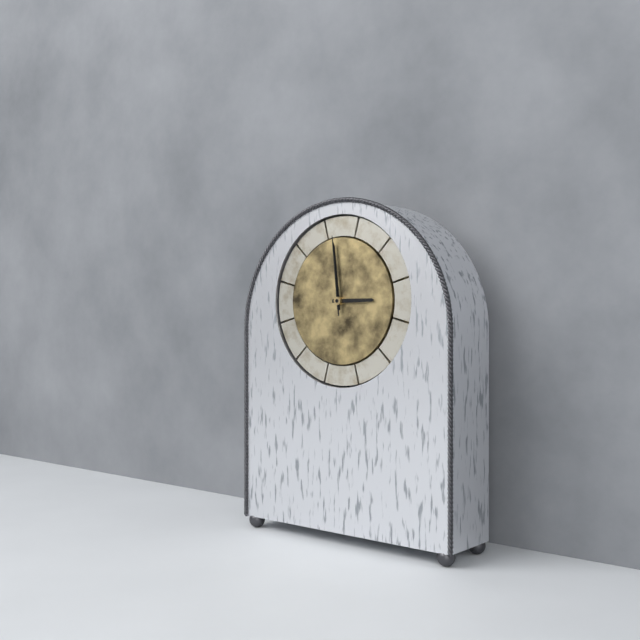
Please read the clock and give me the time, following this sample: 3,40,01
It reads 2,59,59
